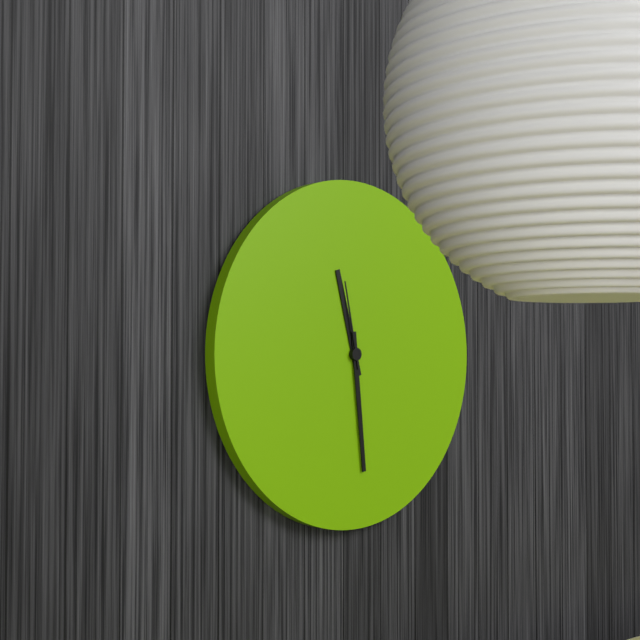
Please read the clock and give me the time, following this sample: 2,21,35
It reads 11,29,58
